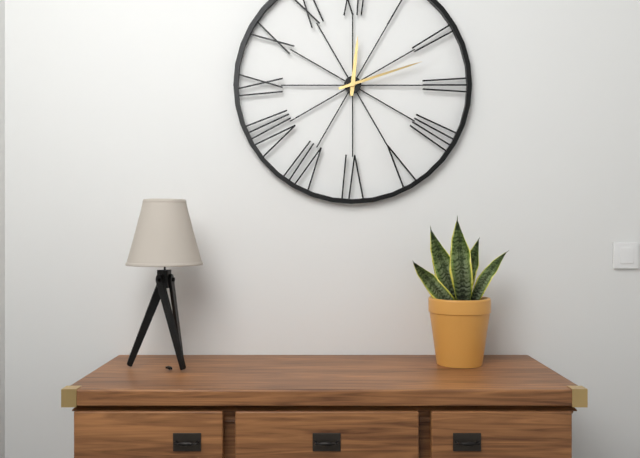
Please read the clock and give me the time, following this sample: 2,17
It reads 12,12
